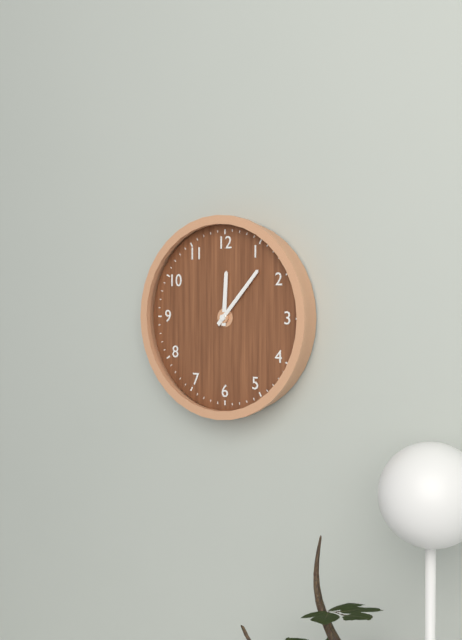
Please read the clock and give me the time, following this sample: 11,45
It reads 12,07
